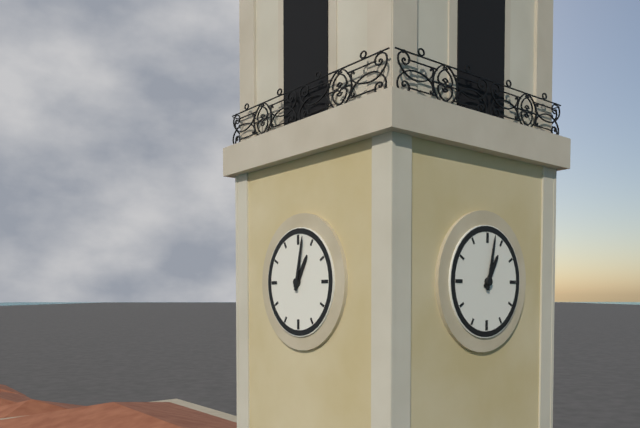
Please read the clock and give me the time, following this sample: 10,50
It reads 1,02
